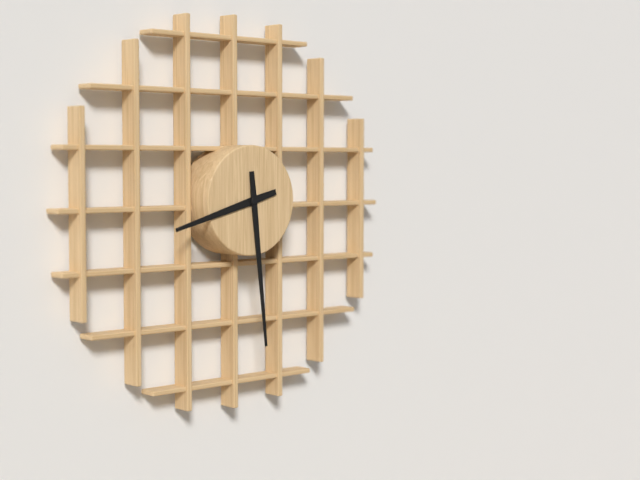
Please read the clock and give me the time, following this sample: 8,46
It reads 8,29
